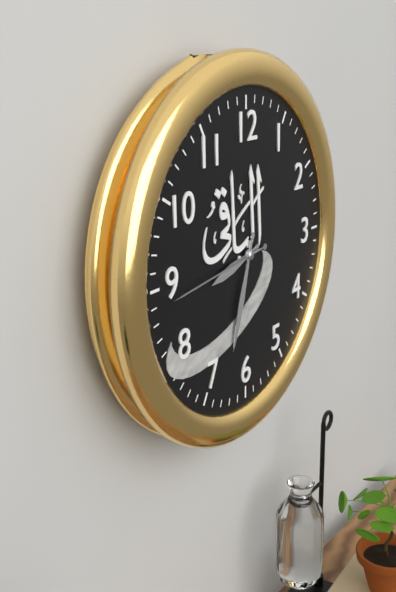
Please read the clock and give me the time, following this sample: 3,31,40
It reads 8,33,44
